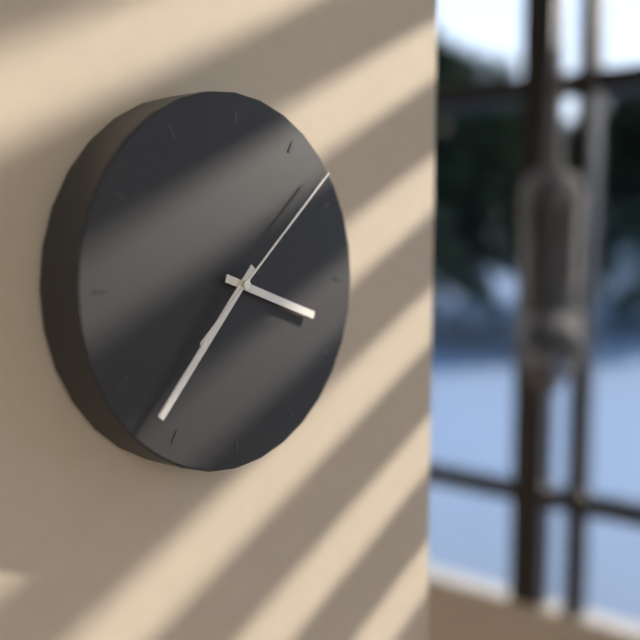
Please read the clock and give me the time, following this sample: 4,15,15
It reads 3,37,08
